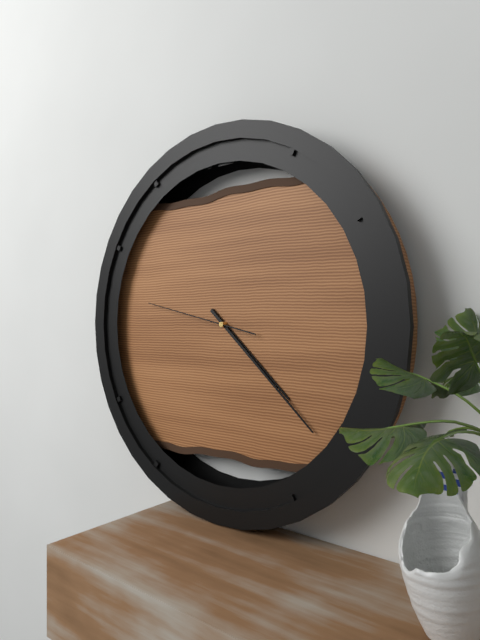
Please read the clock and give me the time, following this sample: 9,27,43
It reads 4,22,47
